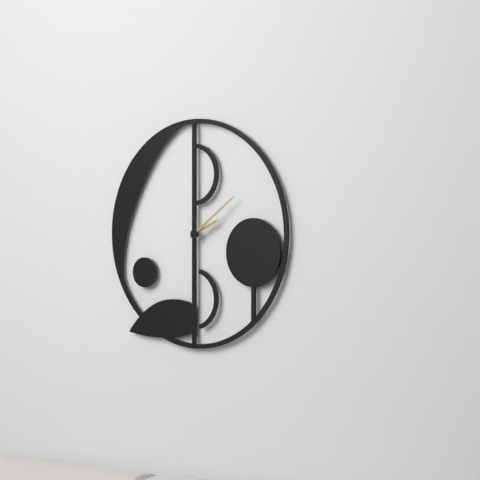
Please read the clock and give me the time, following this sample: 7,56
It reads 2,09
